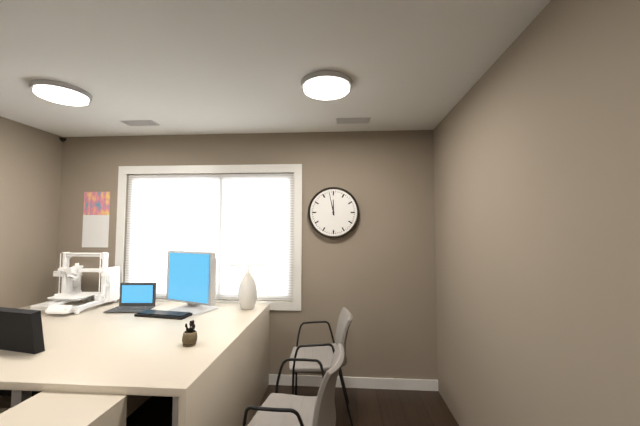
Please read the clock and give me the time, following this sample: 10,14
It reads 11,58
